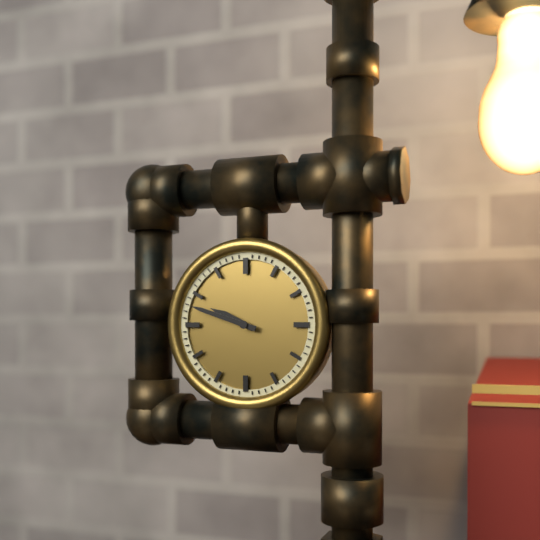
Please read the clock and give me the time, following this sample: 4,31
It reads 9,48
